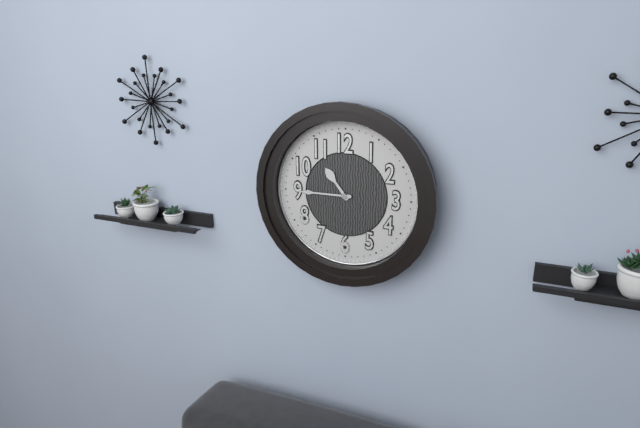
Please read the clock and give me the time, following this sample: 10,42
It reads 10,45
